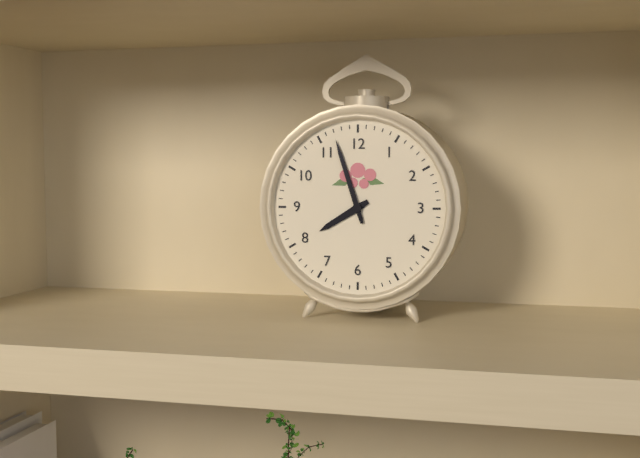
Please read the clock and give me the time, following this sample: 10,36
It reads 7,57
